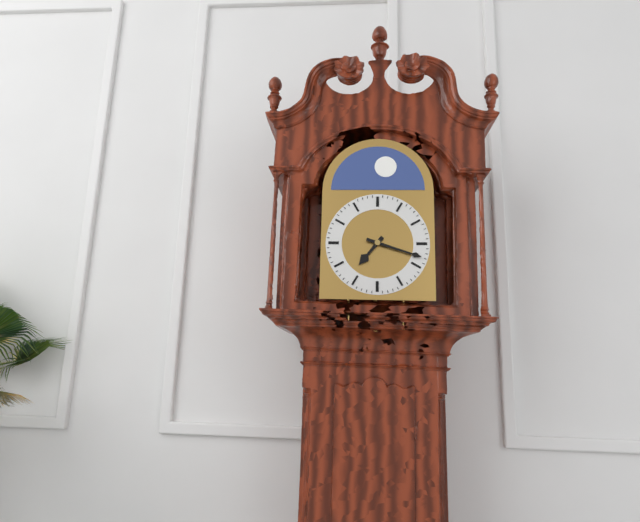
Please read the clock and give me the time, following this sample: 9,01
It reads 7,18
